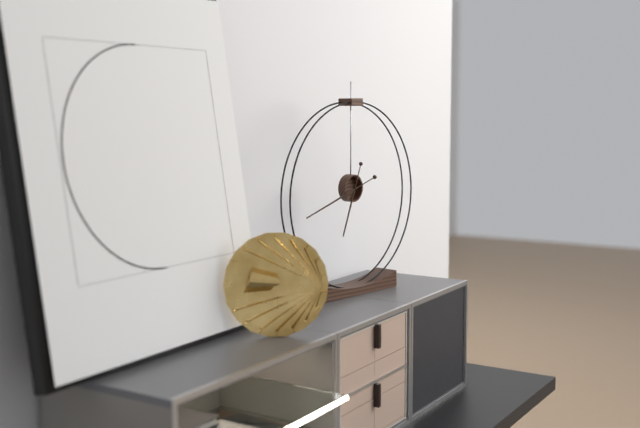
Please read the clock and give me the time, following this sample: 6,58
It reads 6,42
